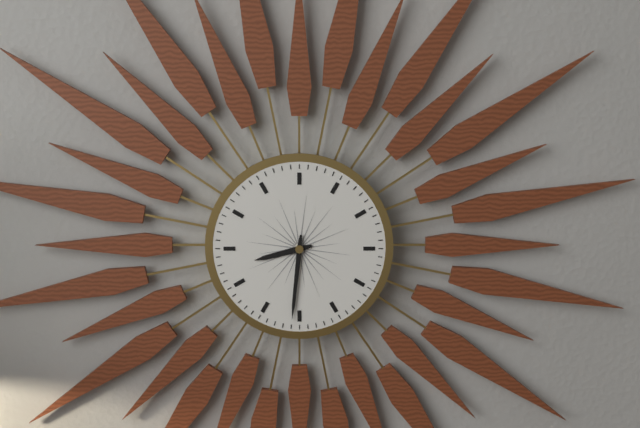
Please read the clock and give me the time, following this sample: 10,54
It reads 8,31
